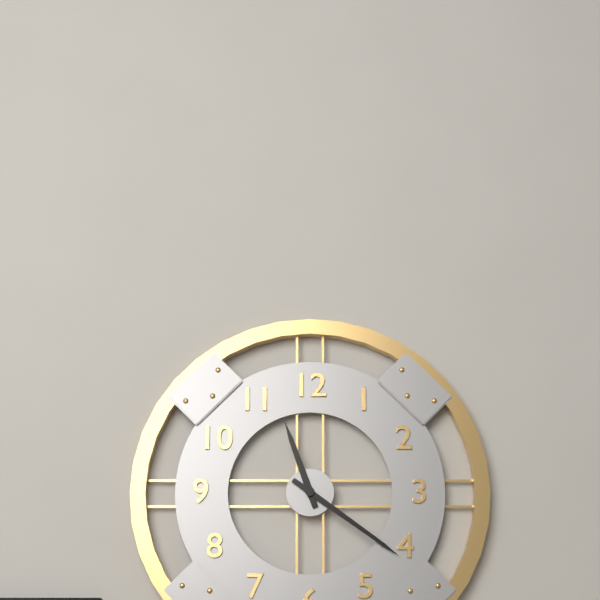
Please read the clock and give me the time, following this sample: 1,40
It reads 11,21
